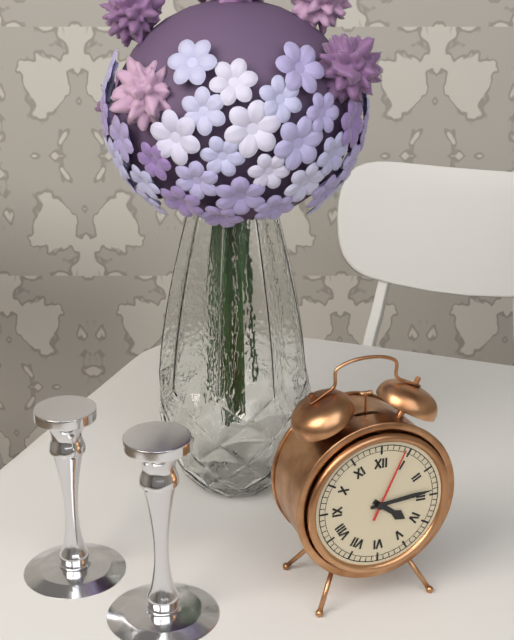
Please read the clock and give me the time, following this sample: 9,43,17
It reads 4,14,04
